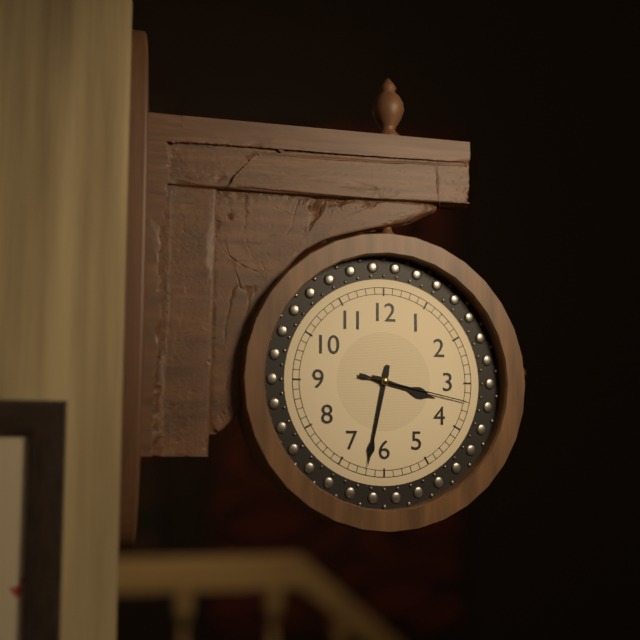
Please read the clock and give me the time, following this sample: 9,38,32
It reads 3,32,17
